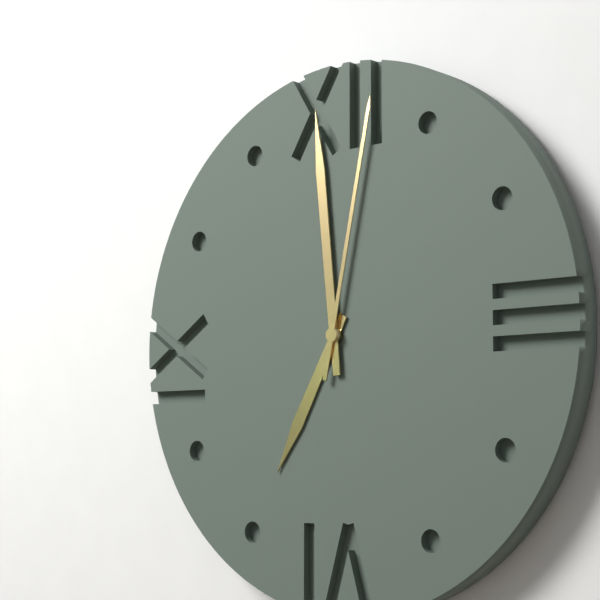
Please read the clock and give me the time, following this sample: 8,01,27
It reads 6,59,02
